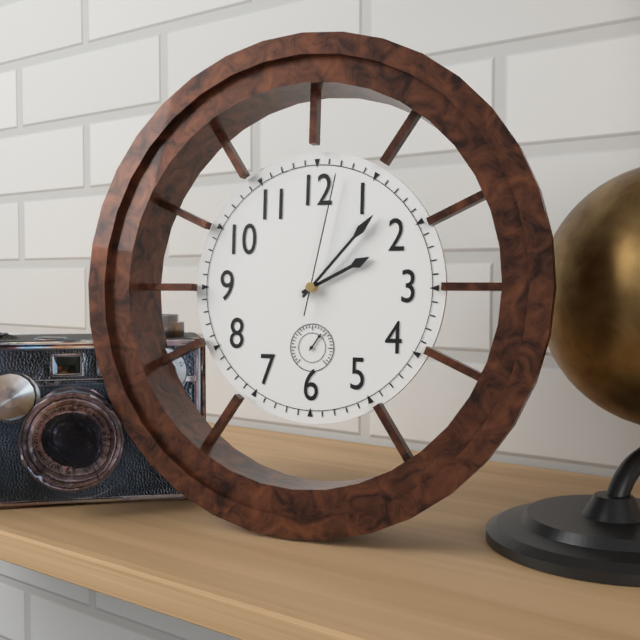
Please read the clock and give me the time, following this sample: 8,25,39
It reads 2,07,02
